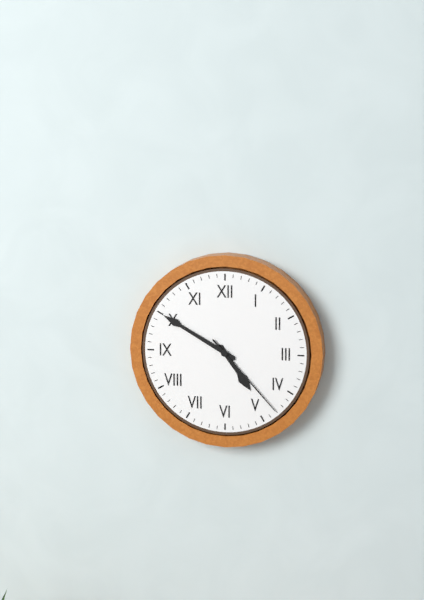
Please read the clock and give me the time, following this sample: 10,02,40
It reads 4,50,23
